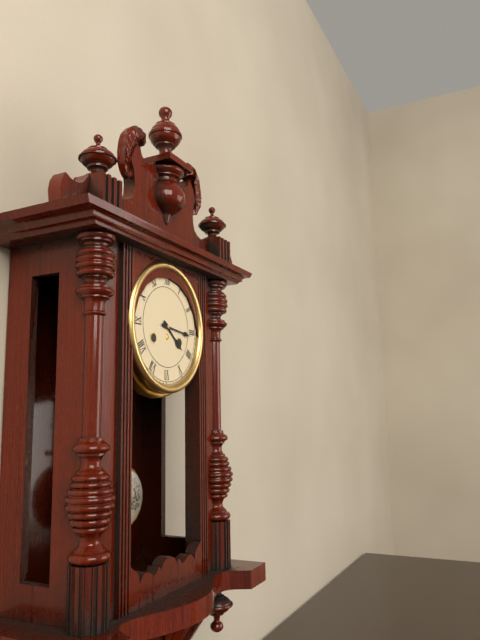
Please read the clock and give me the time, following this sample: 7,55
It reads 4,16
